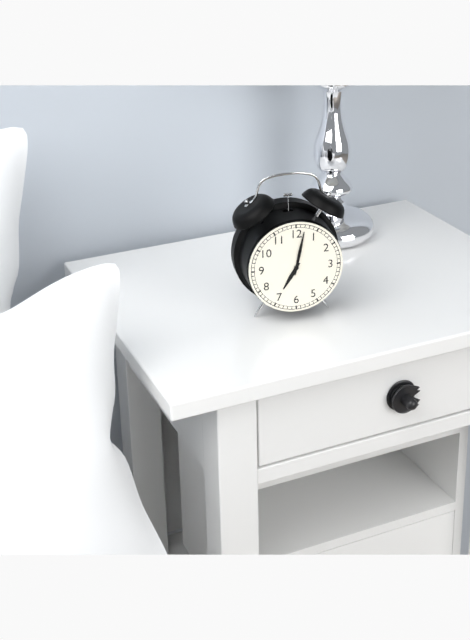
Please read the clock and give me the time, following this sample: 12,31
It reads 7,02
